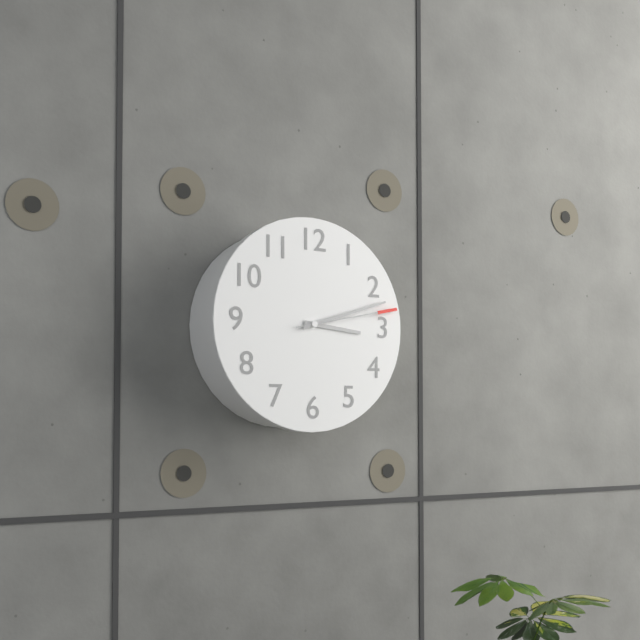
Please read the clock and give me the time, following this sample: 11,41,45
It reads 3,12,13
